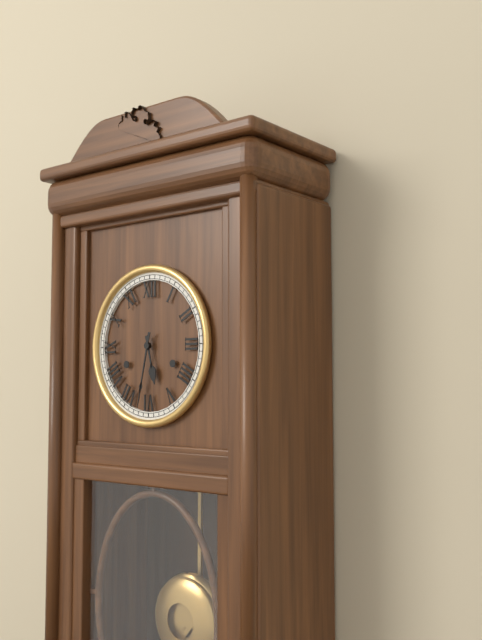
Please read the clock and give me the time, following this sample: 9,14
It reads 5,32
